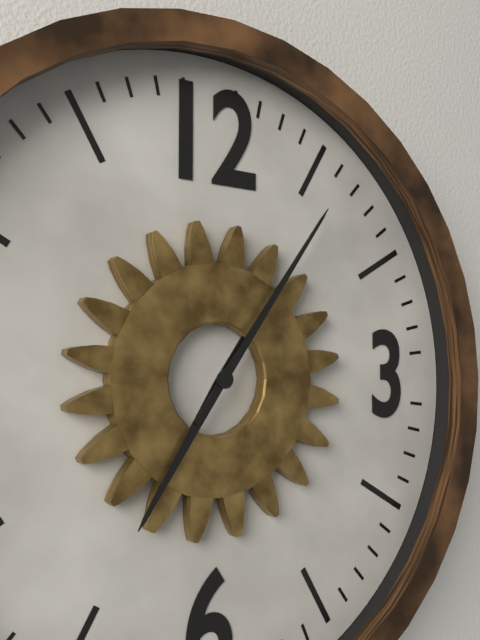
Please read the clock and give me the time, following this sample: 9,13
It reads 7,06
